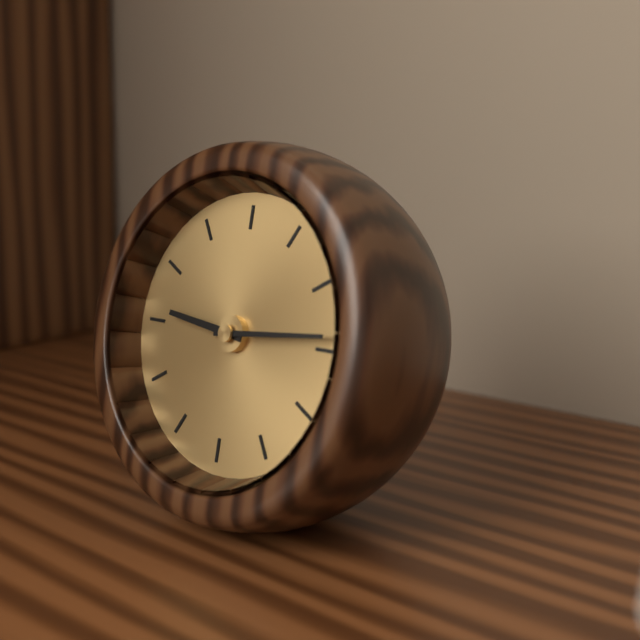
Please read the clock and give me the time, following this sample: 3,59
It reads 9,14
